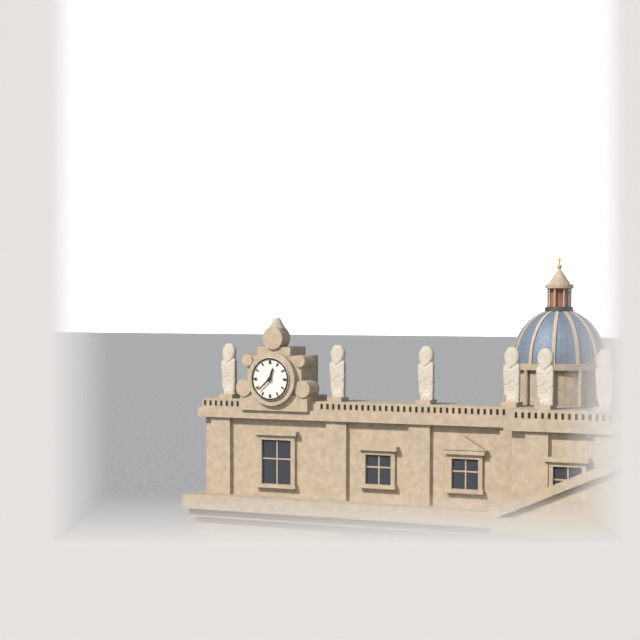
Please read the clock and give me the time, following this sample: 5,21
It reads 12,38
